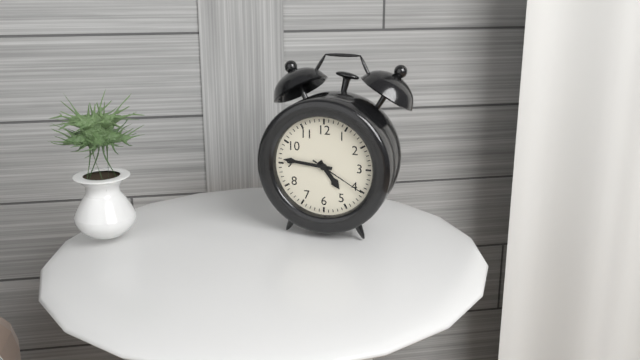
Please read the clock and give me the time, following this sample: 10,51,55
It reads 4,46,20
